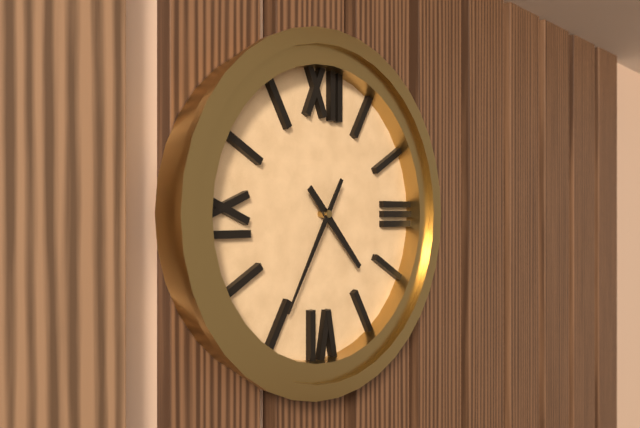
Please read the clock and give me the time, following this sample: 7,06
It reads 4,35
